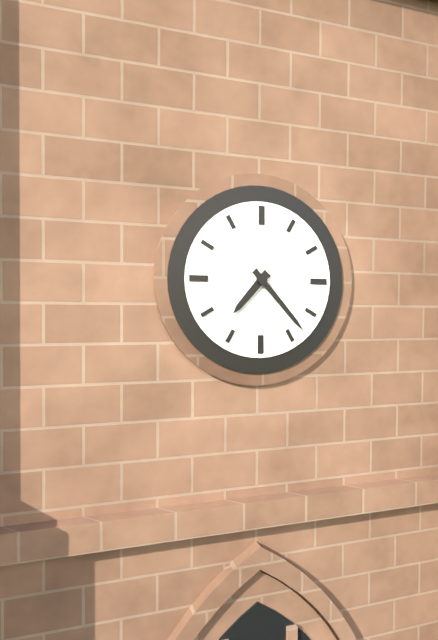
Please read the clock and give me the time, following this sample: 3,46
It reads 7,23
